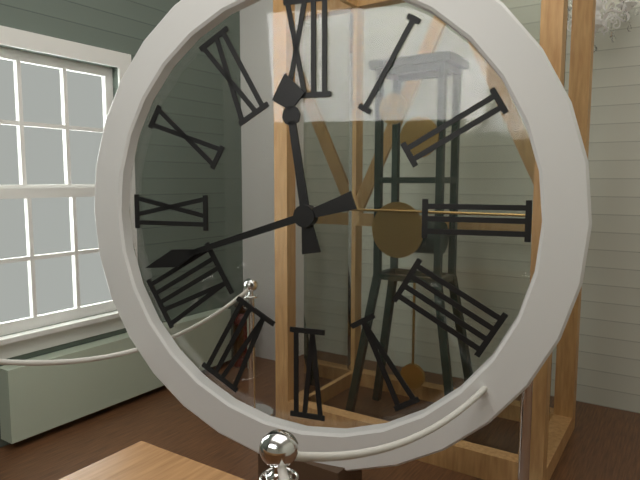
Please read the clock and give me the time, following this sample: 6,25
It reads 11,42
